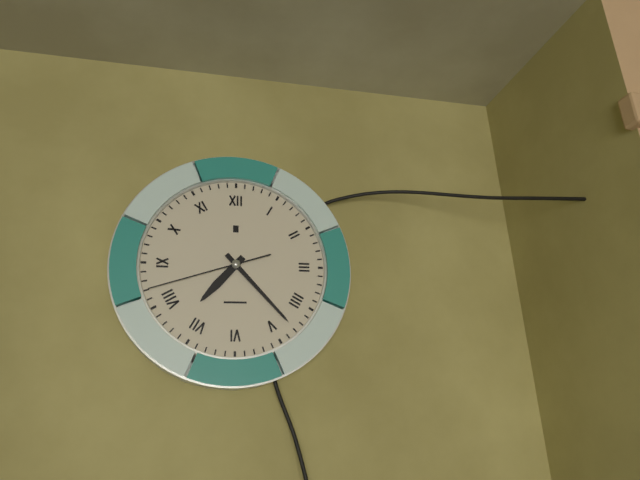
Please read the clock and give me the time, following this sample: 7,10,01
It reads 7,23,42
